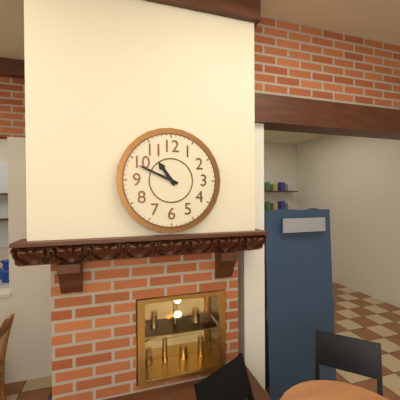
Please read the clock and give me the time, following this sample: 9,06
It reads 10,49
